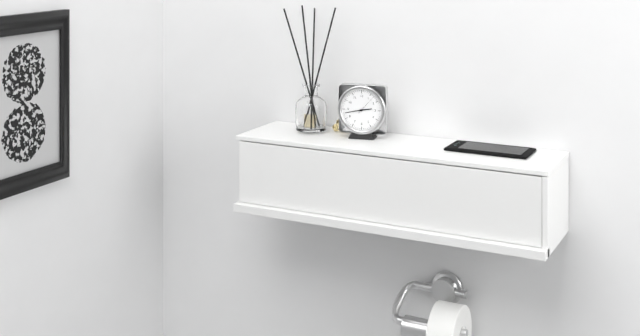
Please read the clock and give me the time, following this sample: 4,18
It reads 2,43
